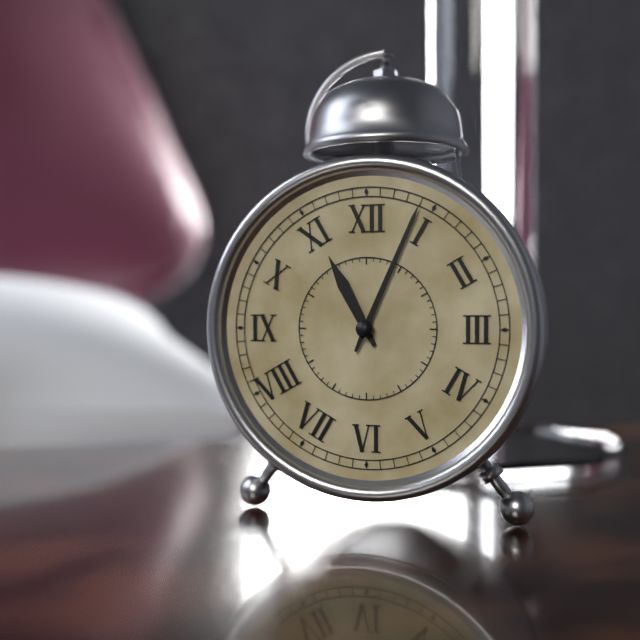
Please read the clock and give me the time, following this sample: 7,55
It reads 11,04
